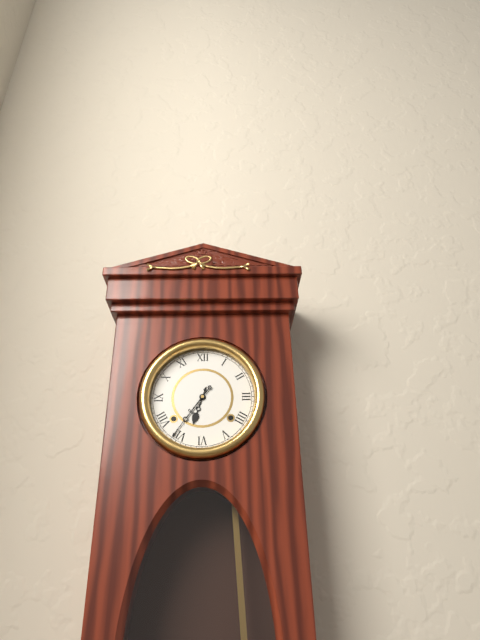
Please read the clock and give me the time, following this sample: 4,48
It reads 6,36
